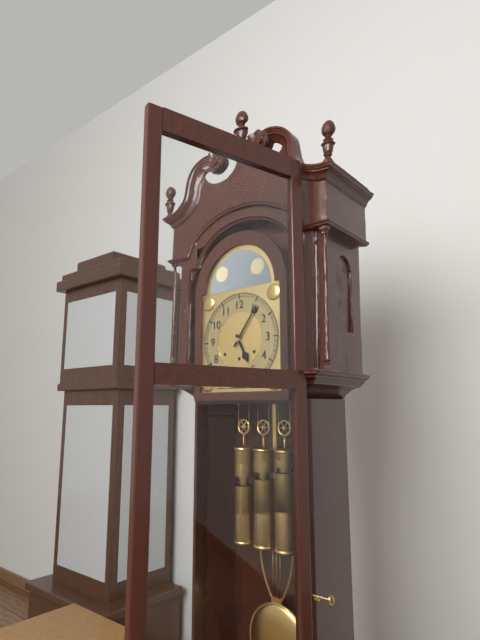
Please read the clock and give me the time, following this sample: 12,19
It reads 5,06
